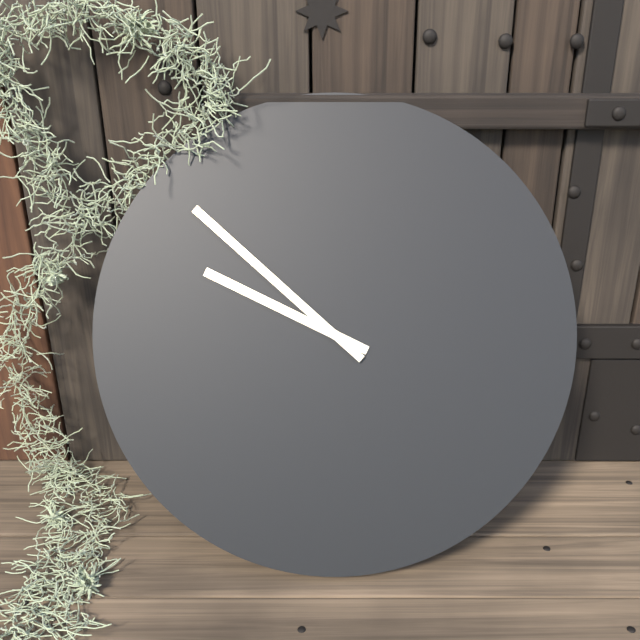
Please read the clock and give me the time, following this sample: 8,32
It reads 9,52
